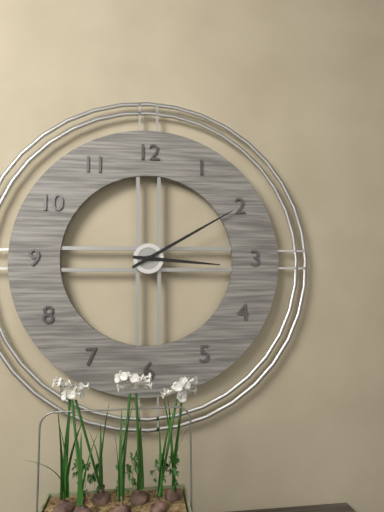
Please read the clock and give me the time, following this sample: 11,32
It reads 3,10
